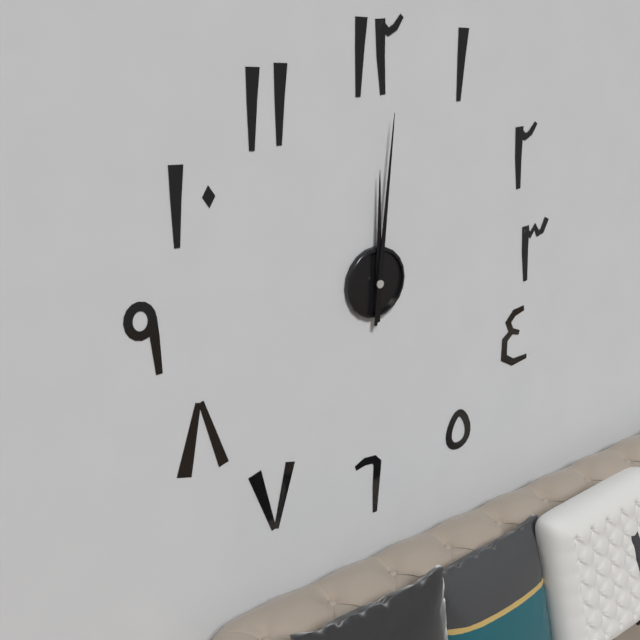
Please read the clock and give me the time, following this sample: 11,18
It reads 12,01
